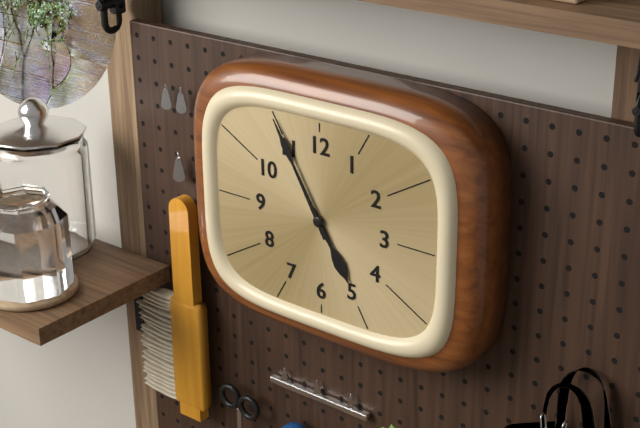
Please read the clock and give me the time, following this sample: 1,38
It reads 4,55
